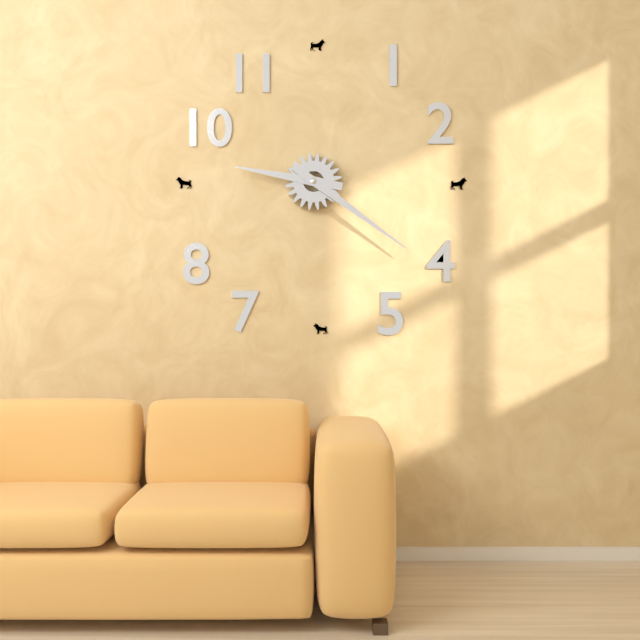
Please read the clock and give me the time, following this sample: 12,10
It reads 9,21
